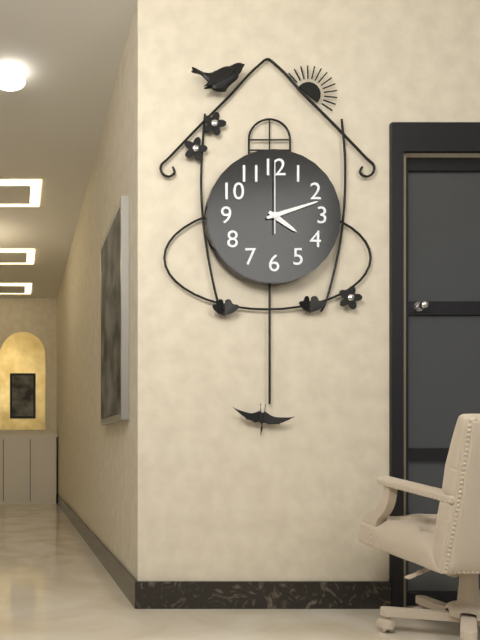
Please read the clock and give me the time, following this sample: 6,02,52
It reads 4,12,00
